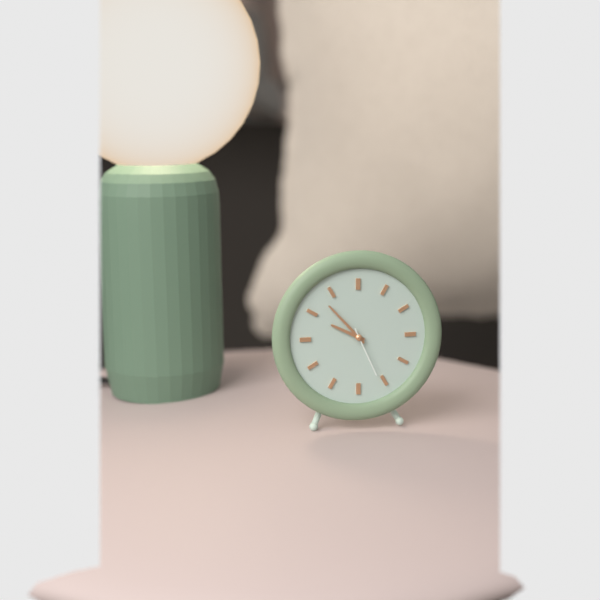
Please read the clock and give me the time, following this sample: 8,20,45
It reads 9,53,26
